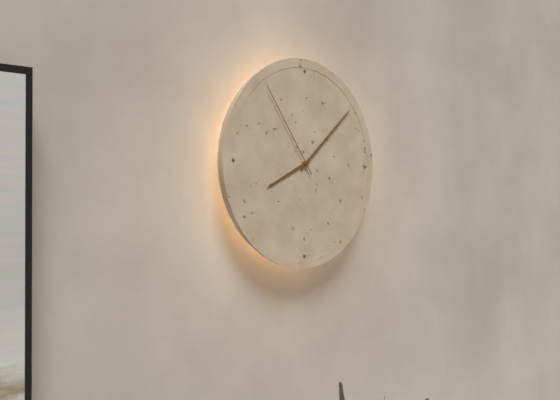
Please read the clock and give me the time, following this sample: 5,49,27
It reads 8,08,54
